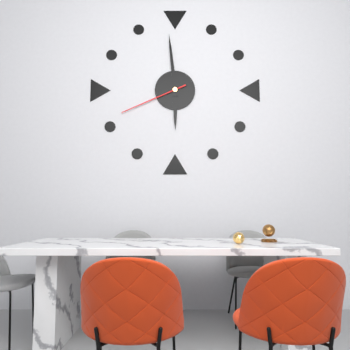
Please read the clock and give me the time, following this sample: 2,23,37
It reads 5,59,41
